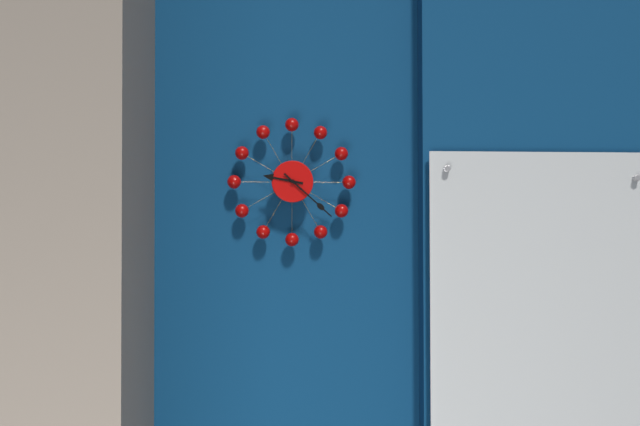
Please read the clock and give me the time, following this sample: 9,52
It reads 9,22
